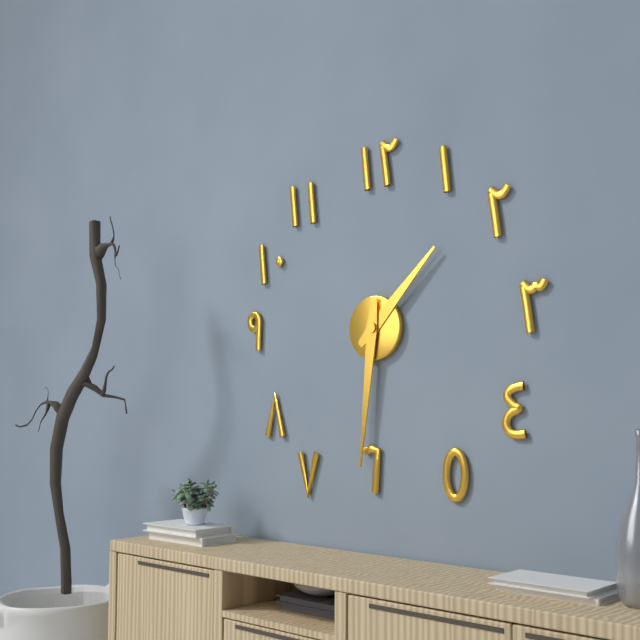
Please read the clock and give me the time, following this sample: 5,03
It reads 1,31
